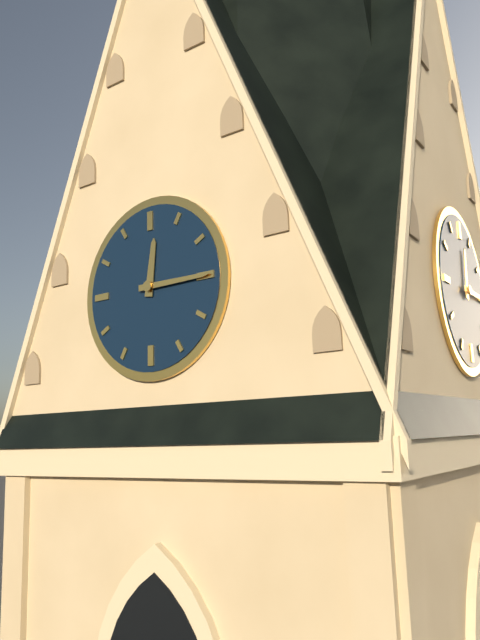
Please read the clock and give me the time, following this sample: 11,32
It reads 12,15
